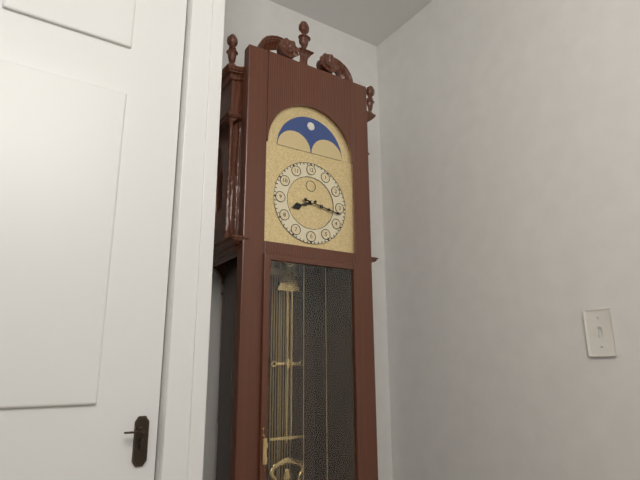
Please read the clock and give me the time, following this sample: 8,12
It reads 8,17
